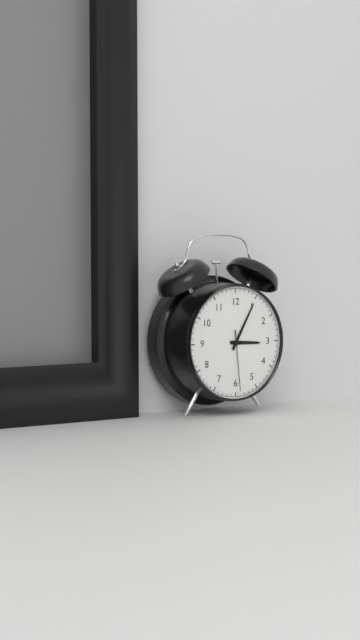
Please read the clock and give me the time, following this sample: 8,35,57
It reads 3,05,29
